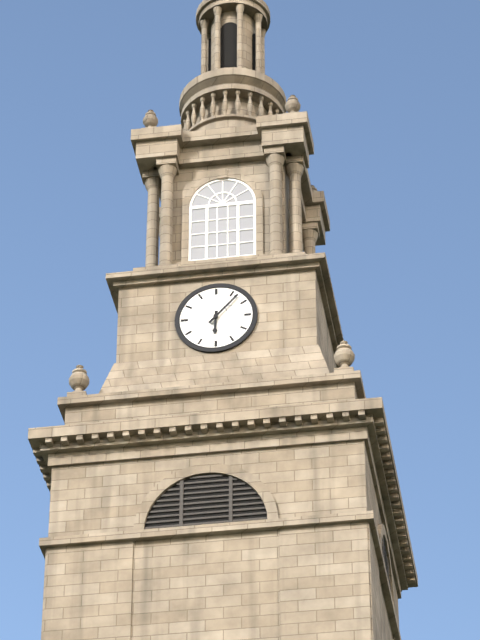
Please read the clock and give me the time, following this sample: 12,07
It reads 6,07
